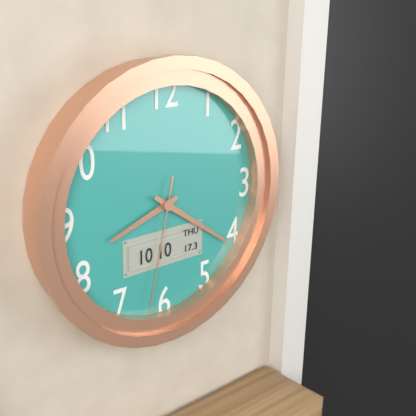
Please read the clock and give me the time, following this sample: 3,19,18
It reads 8,21,32
